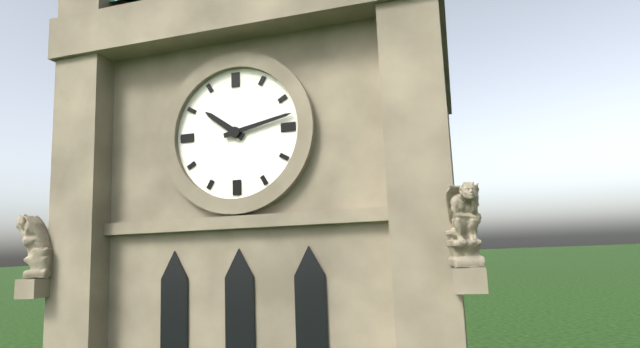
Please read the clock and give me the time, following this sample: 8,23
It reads 10,13
